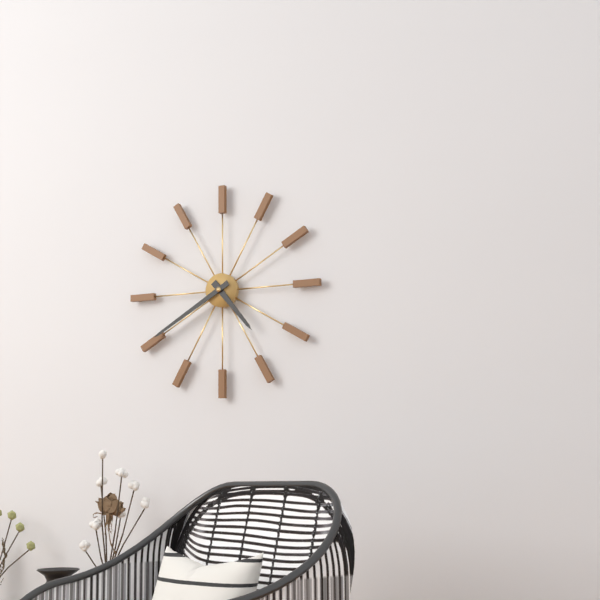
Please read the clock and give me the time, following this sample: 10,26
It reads 4,40
